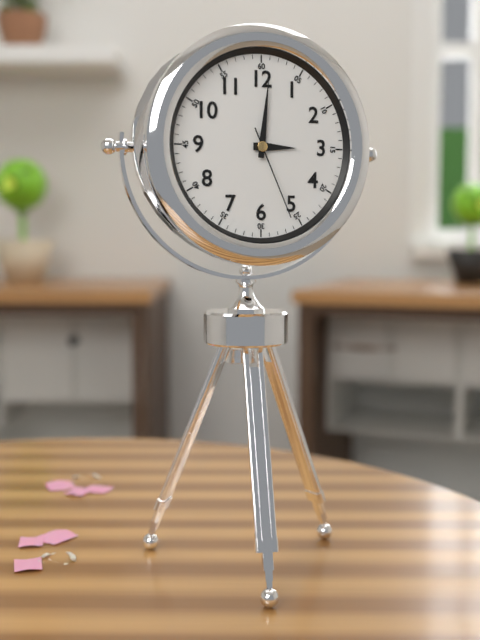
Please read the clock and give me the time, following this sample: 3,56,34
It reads 3,01,26
